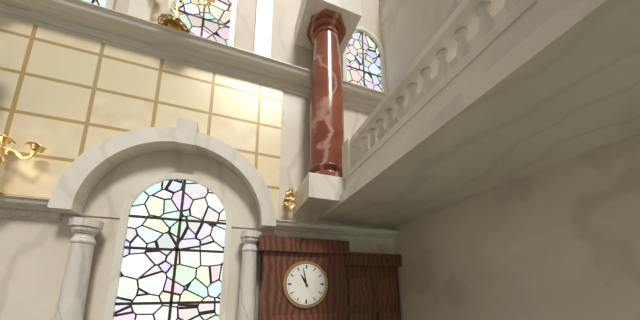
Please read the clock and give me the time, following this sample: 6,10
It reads 10,58
